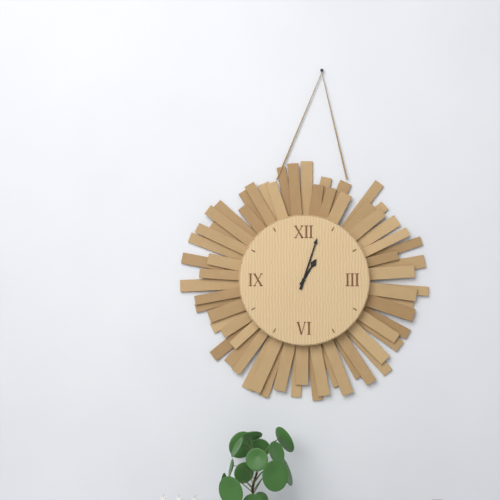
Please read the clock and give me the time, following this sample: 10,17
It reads 1,03
